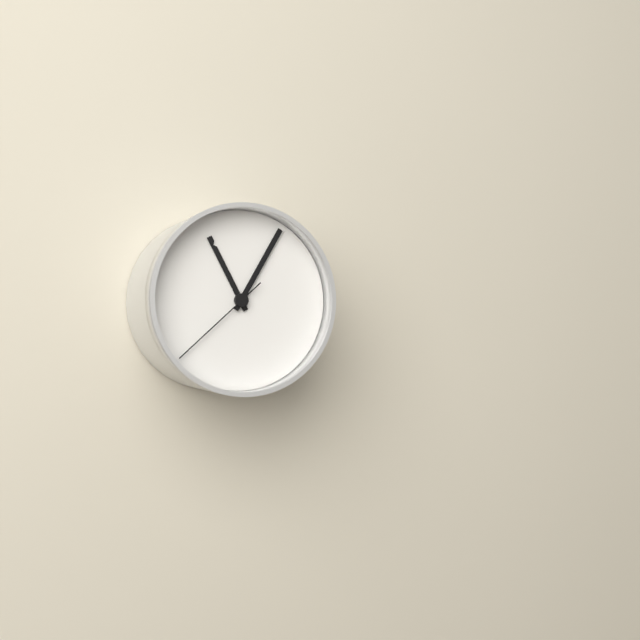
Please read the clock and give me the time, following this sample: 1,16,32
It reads 11,05,38
